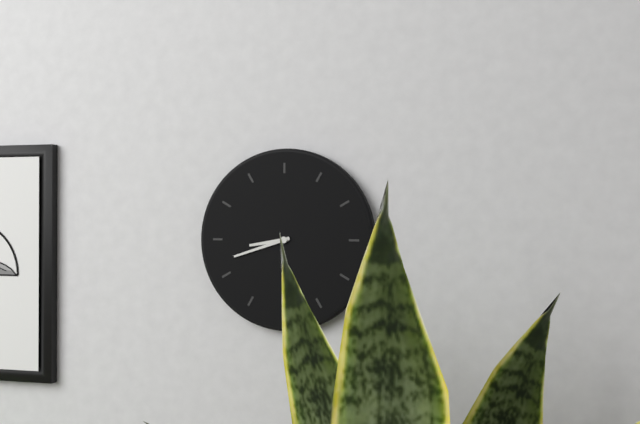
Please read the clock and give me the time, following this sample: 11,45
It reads 8,42
